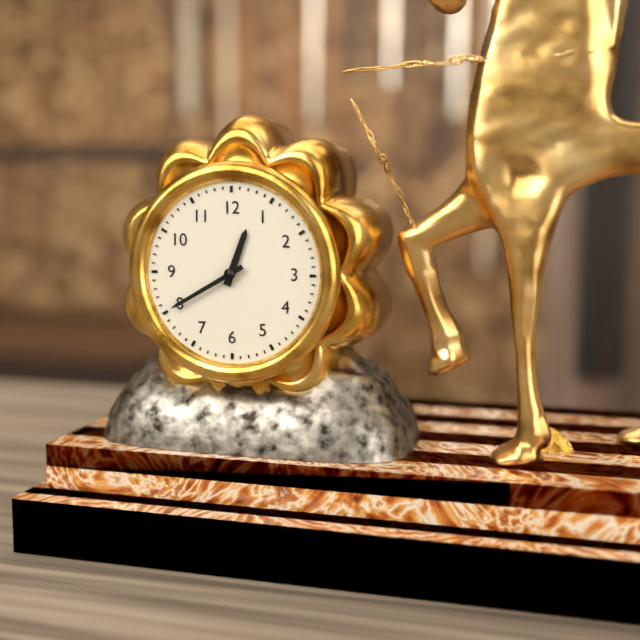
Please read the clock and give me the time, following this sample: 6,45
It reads 12,40
